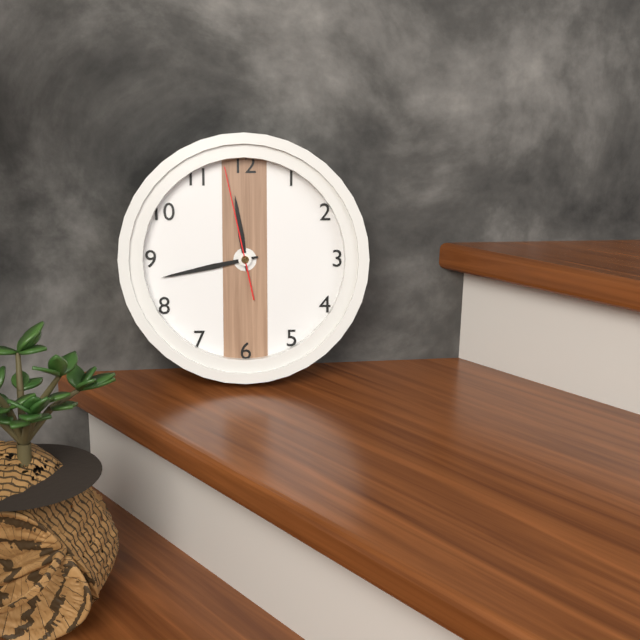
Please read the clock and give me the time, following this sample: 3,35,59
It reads 11,43,58
